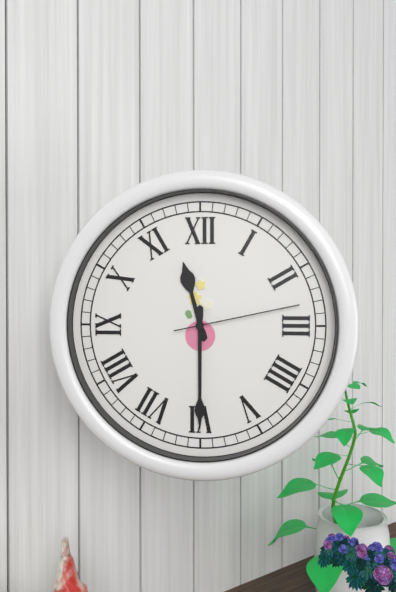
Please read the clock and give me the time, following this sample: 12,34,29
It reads 11,30,13
